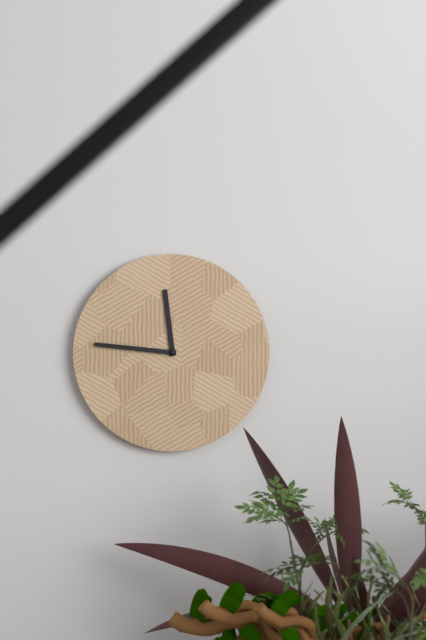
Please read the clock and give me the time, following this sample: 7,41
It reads 11,46
